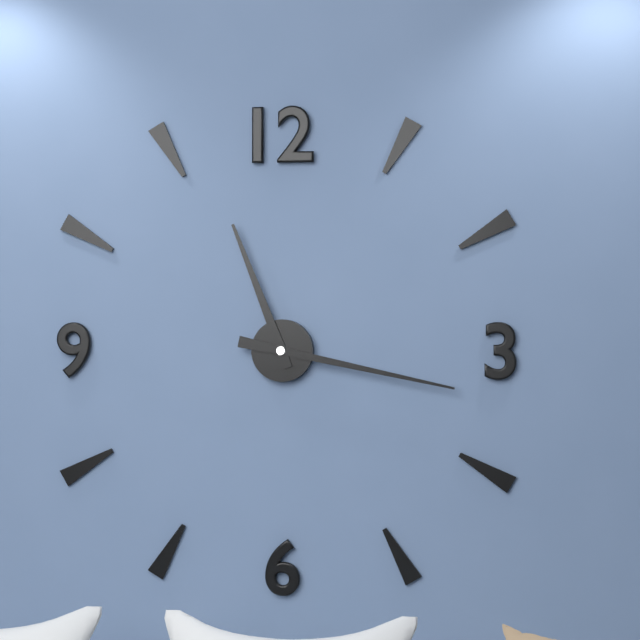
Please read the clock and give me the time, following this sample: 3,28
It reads 11,17
